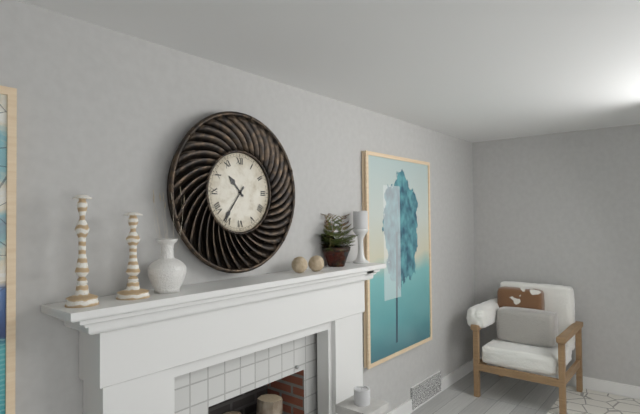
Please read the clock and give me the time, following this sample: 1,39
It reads 10,36
